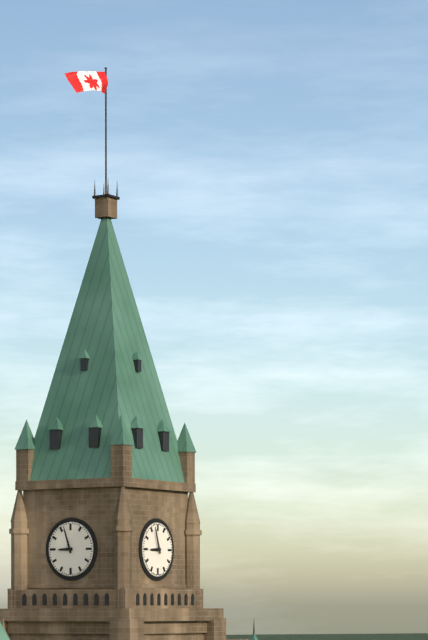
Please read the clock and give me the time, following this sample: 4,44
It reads 8,57
